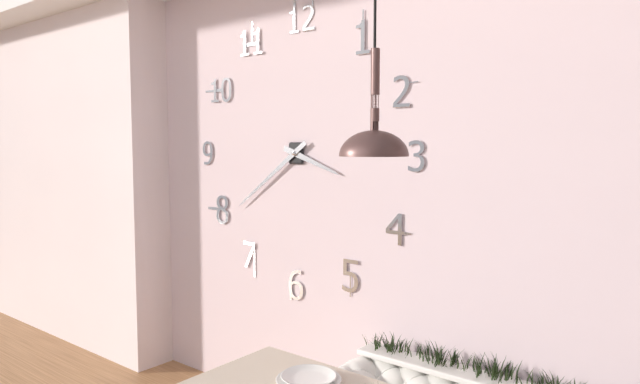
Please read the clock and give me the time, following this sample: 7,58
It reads 3,39
